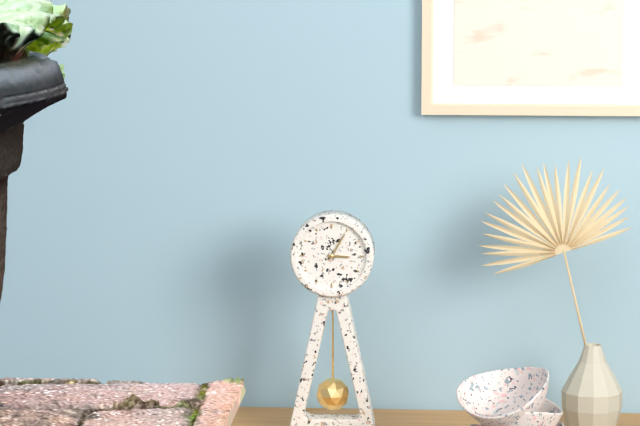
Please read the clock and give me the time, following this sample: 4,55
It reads 3,05
